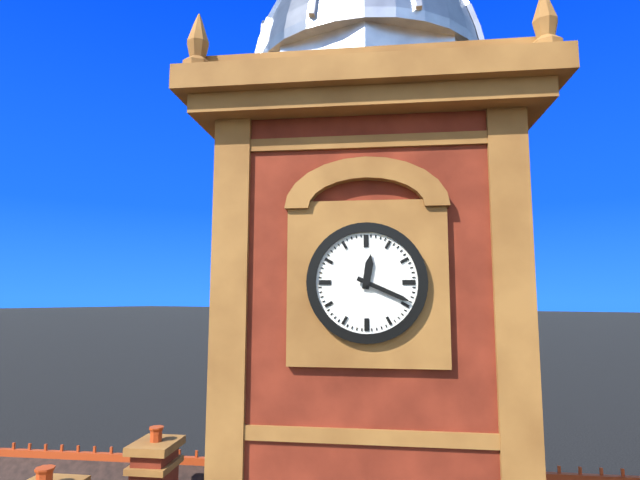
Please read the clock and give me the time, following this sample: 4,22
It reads 12,19
